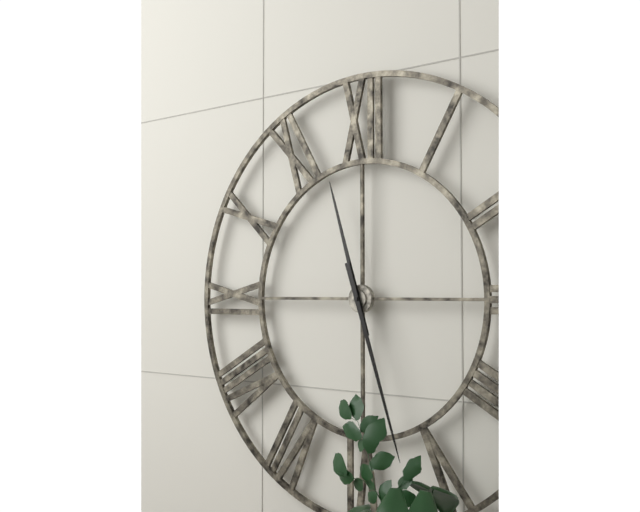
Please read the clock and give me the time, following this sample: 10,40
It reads 11,27
